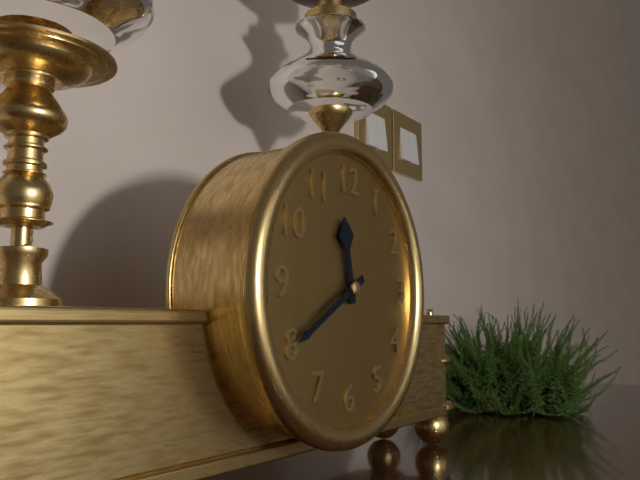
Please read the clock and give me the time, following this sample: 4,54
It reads 11,40
